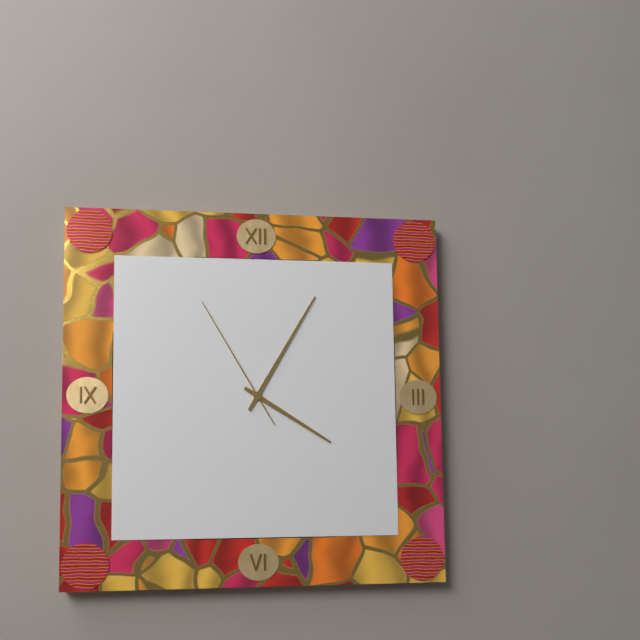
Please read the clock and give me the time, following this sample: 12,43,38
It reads 4,05,55
